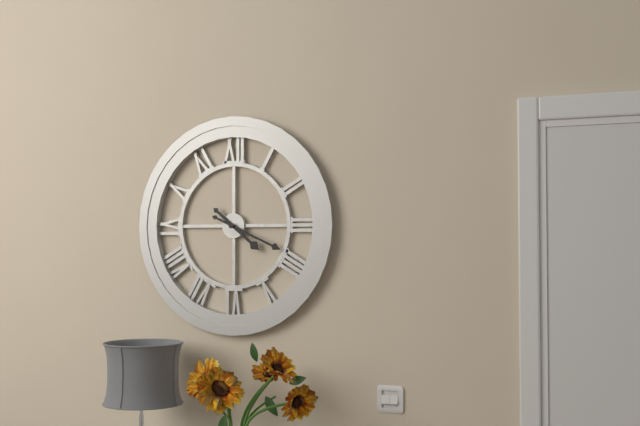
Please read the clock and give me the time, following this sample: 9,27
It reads 4,19
